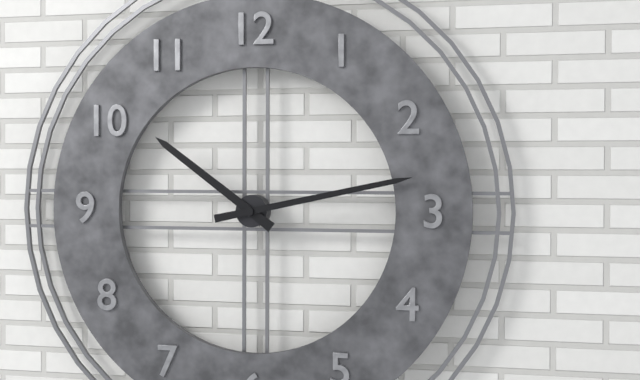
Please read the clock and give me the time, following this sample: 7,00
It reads 10,13
